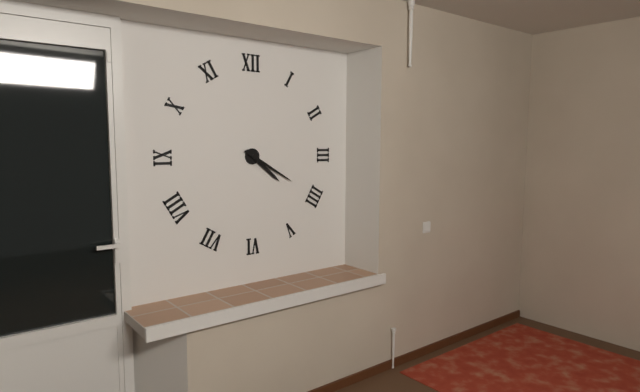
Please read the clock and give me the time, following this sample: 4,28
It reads 4,20
